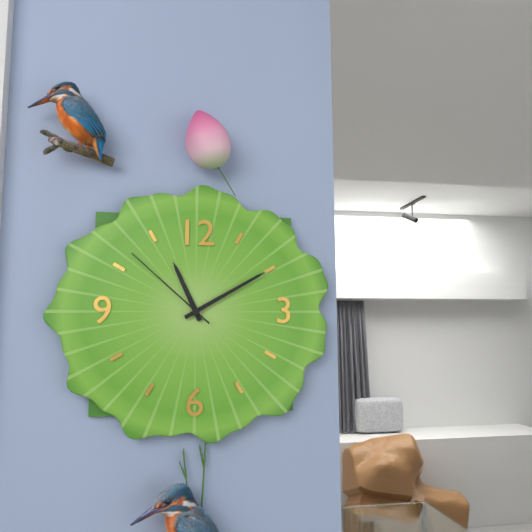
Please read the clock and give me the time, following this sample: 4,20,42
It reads 11,10,52
